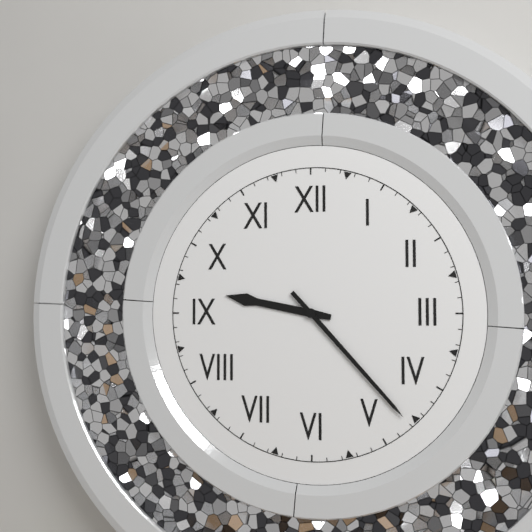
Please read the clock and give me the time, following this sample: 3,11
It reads 9,23
